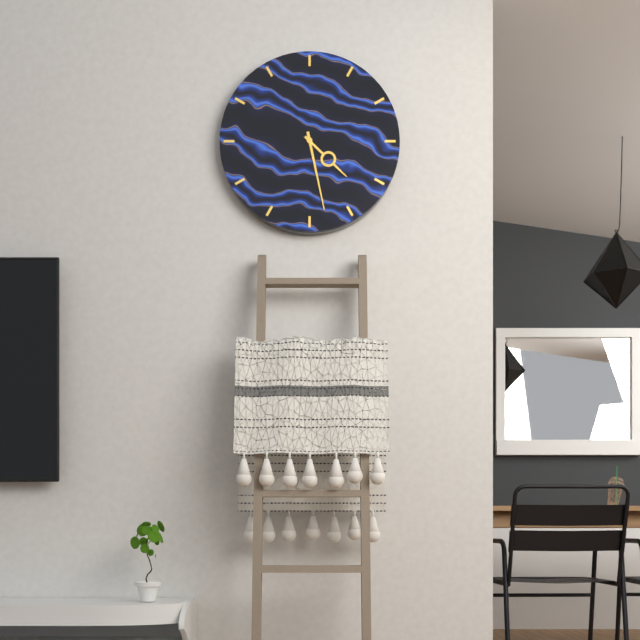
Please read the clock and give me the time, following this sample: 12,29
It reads 4,28
